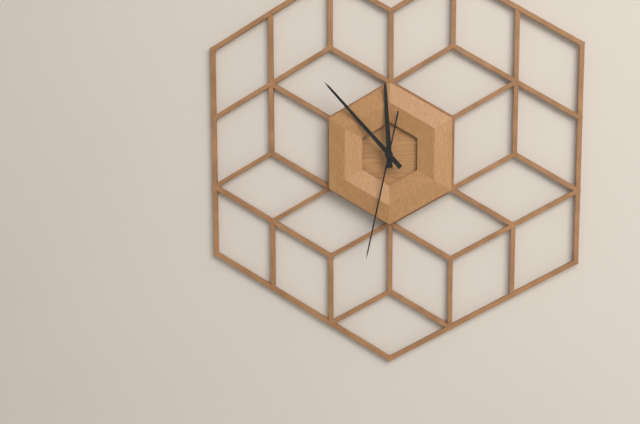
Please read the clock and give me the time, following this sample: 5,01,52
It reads 11,53,32
